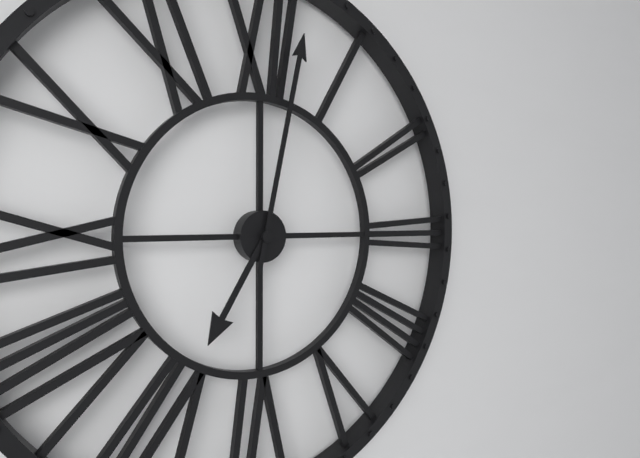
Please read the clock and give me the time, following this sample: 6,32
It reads 7,02
